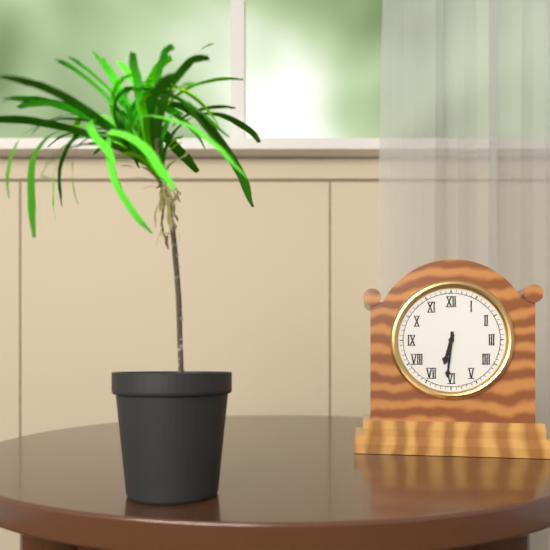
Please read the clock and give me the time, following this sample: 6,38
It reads 6,31
